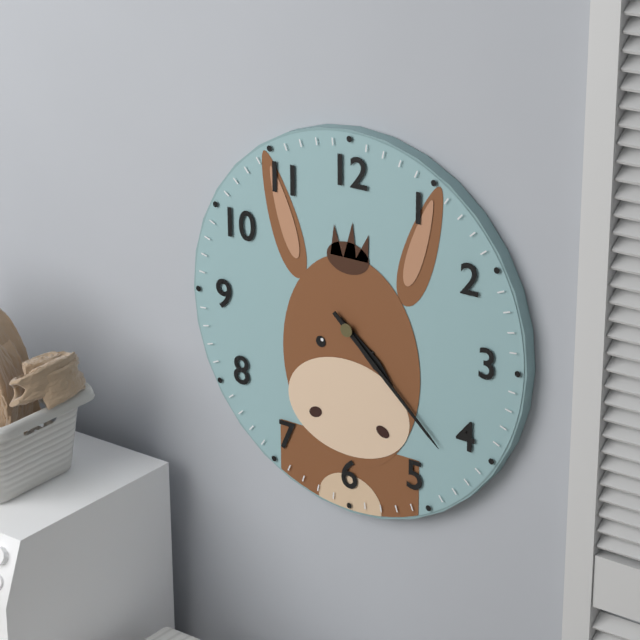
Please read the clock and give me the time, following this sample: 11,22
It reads 4,22
